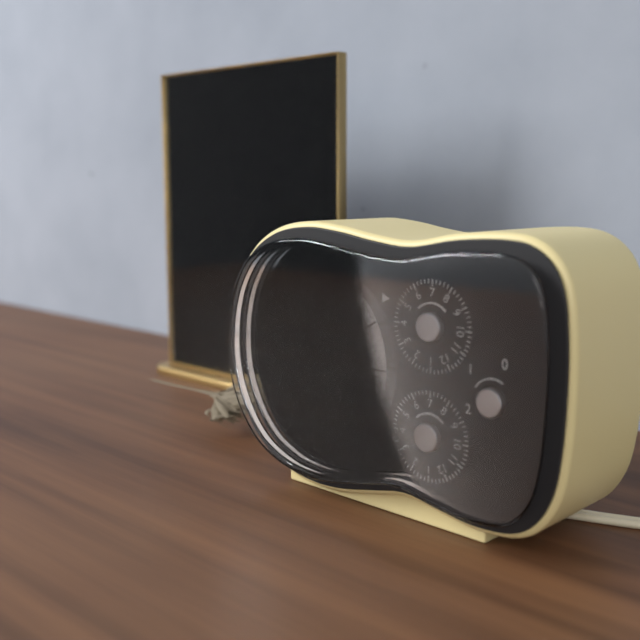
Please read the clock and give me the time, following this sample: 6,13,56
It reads 4,16,40
